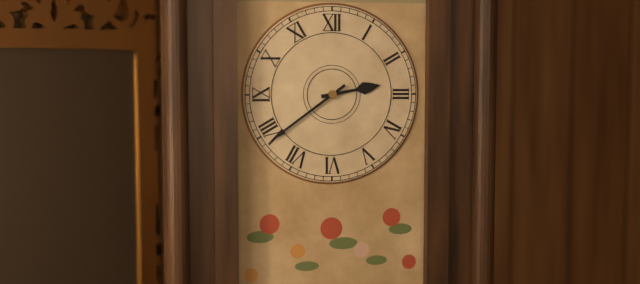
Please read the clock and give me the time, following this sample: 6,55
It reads 2,39
